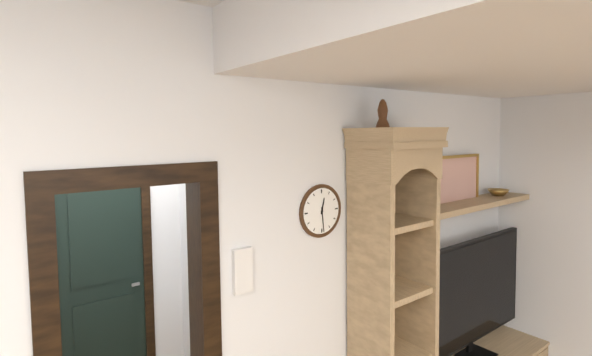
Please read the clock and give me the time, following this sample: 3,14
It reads 12,29
